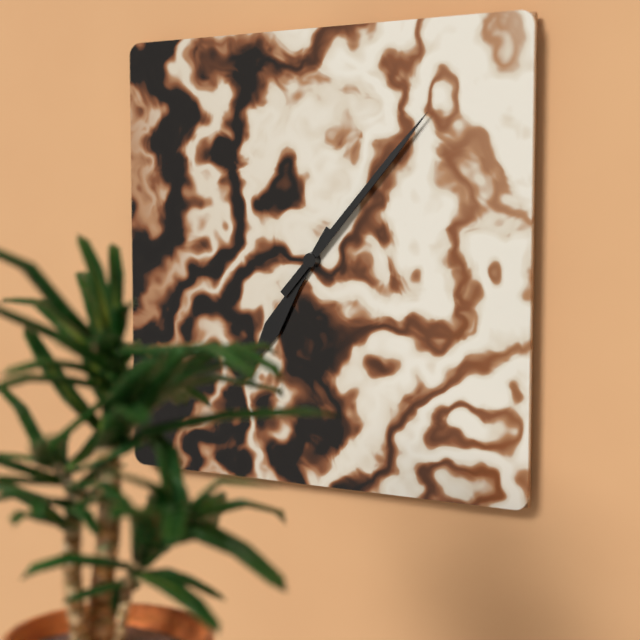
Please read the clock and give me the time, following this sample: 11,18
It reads 7,07
